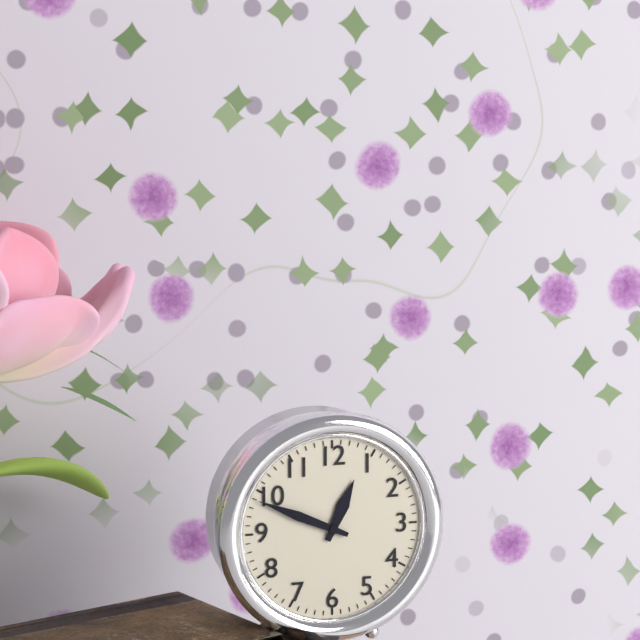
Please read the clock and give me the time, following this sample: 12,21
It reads 12,49
